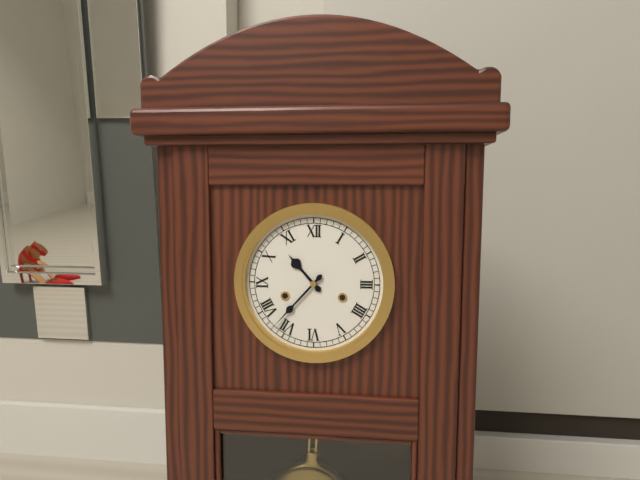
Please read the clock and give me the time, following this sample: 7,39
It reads 10,37
